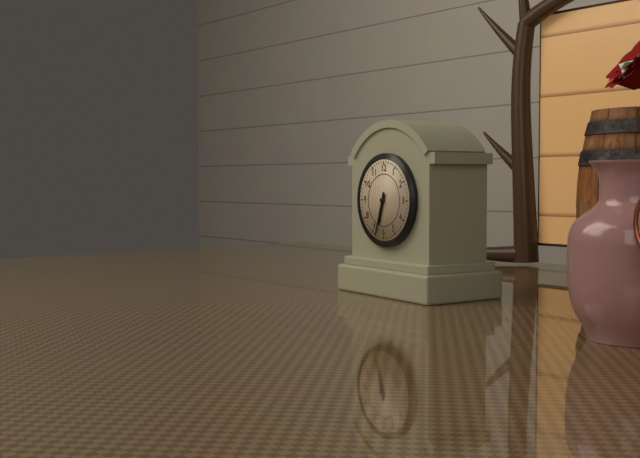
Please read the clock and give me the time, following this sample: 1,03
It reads 6,33
